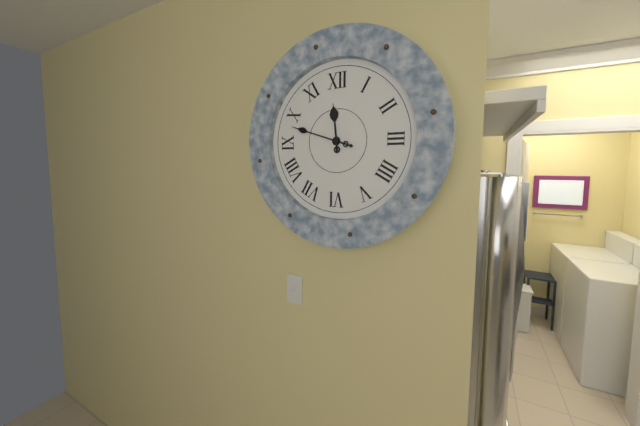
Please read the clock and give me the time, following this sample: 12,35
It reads 11,48
